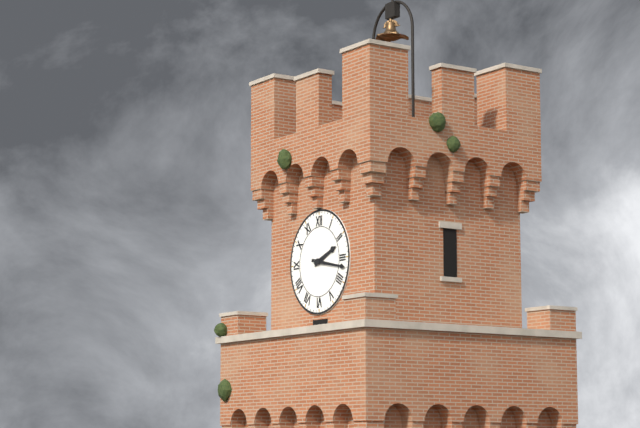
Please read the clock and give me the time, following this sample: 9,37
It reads 2,17
